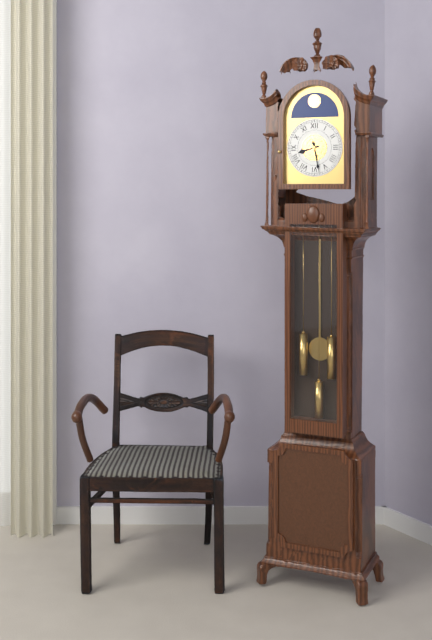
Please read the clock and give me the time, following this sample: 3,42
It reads 8,28
